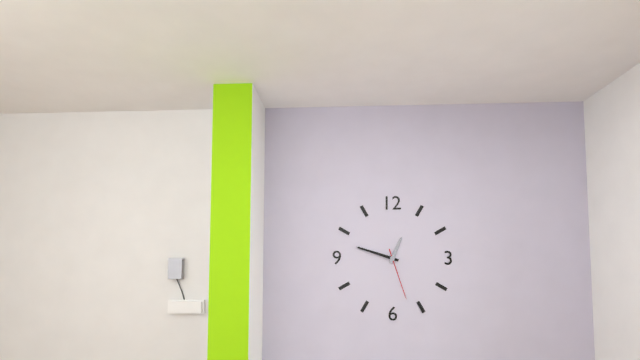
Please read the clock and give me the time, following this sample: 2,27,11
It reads 12,48,27
